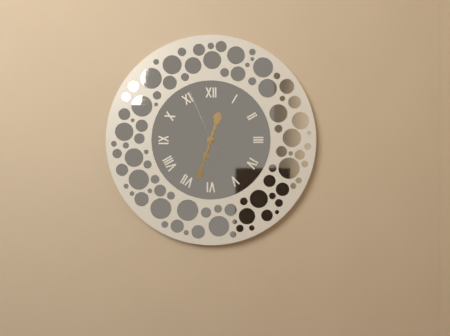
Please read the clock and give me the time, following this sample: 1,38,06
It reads 12,33,56
